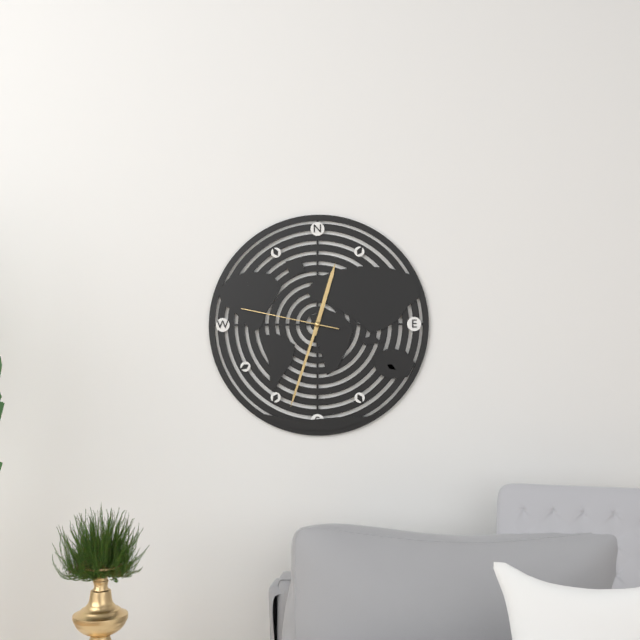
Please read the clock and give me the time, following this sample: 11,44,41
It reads 12,33,47
